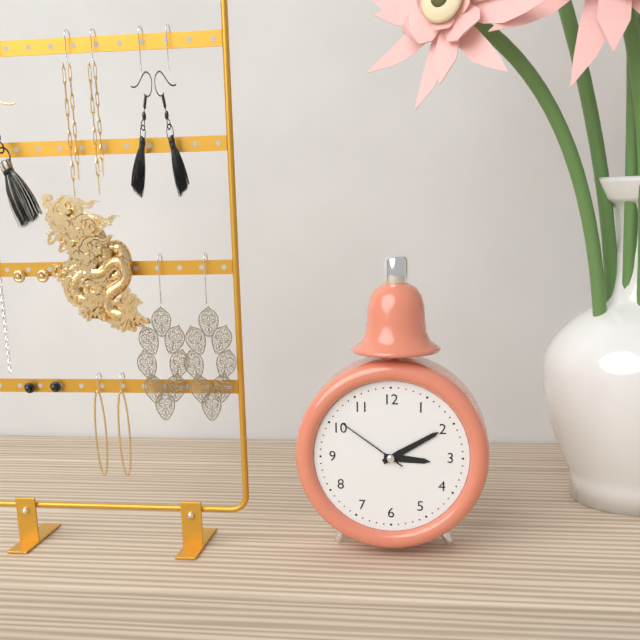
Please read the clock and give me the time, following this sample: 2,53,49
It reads 3,10,51
